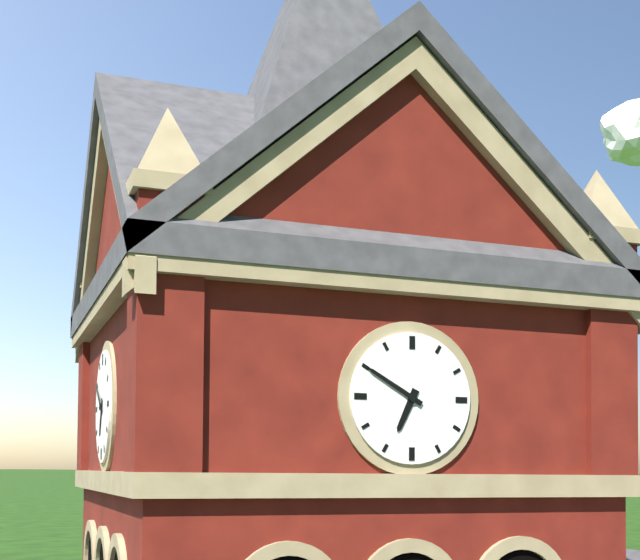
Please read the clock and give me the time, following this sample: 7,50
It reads 6,50
